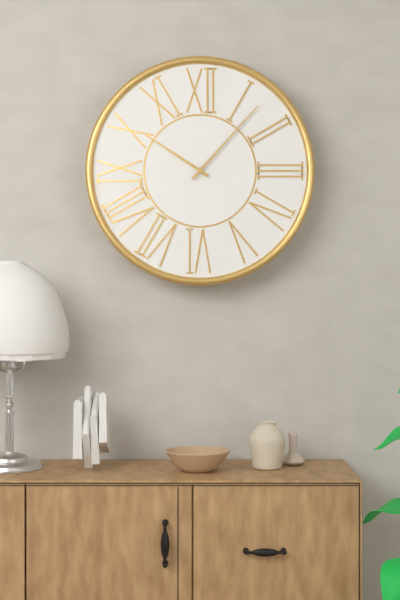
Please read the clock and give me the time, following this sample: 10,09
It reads 10,07
